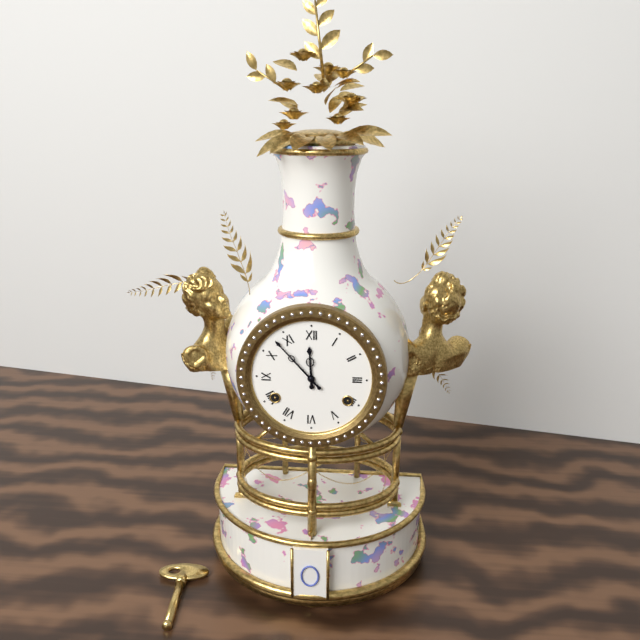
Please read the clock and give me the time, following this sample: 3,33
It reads 11,53
